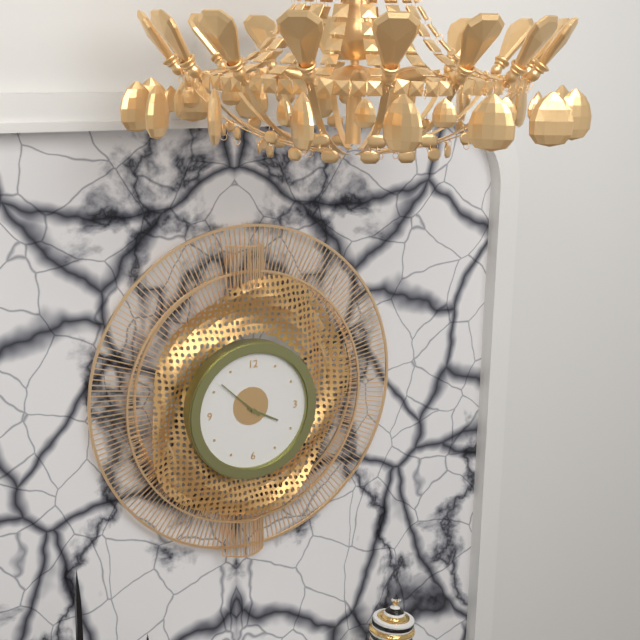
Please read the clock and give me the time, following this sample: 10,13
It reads 3,52
